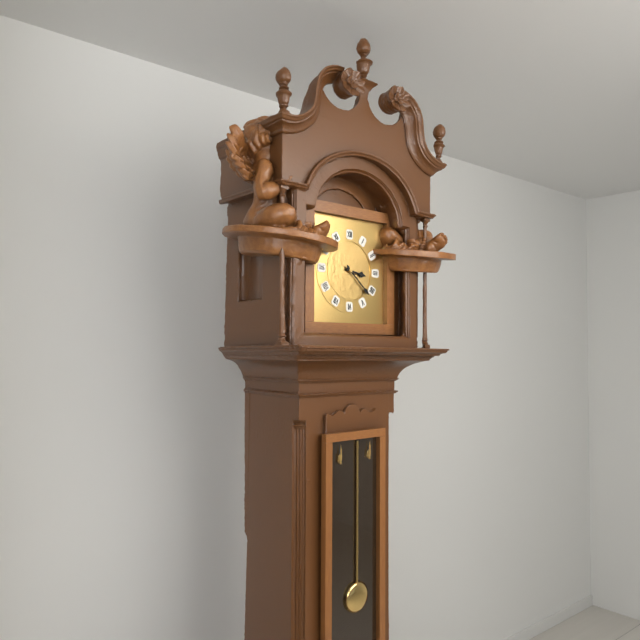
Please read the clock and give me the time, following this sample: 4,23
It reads 3,22
